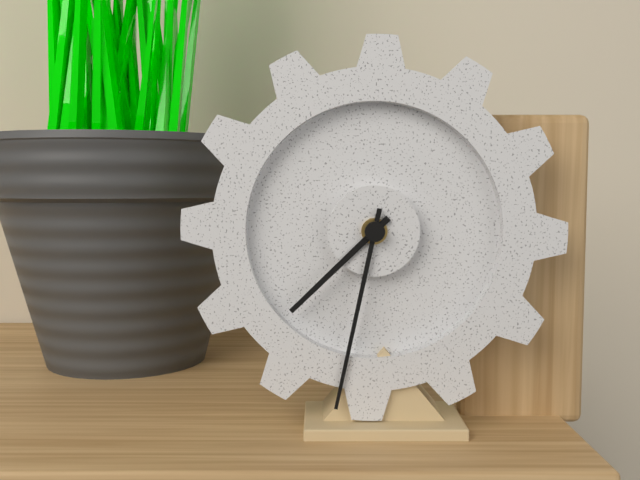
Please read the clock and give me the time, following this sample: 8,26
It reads 7,32
